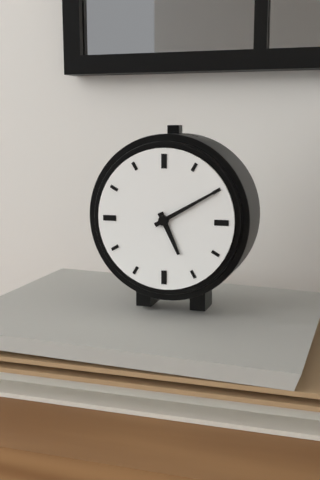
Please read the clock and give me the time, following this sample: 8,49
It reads 5,10
